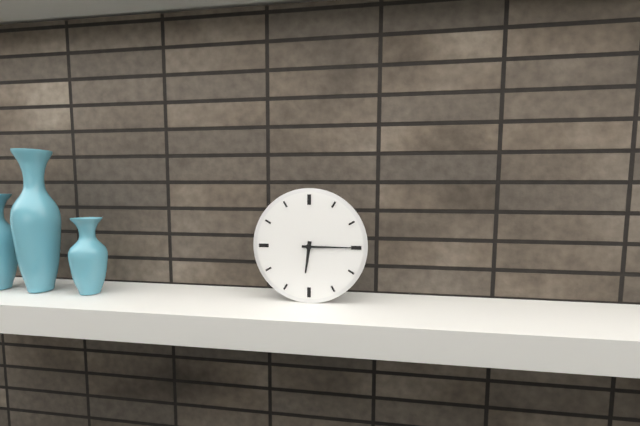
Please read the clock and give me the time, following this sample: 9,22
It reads 6,15
